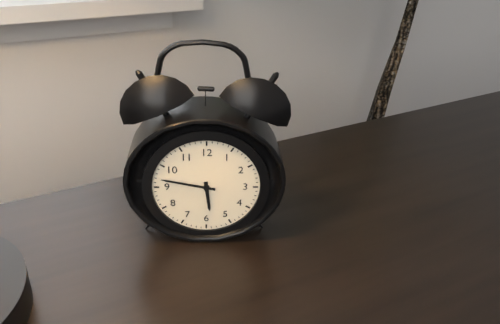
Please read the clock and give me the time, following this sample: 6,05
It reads 5,47
